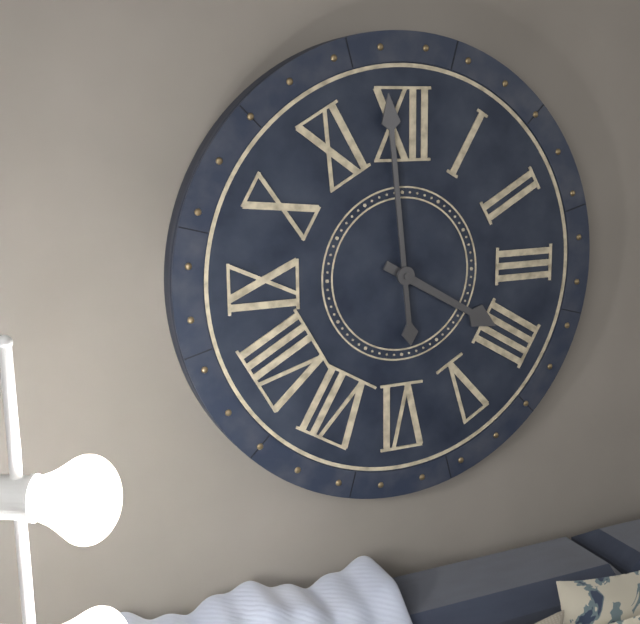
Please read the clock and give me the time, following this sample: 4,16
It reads 3,59
